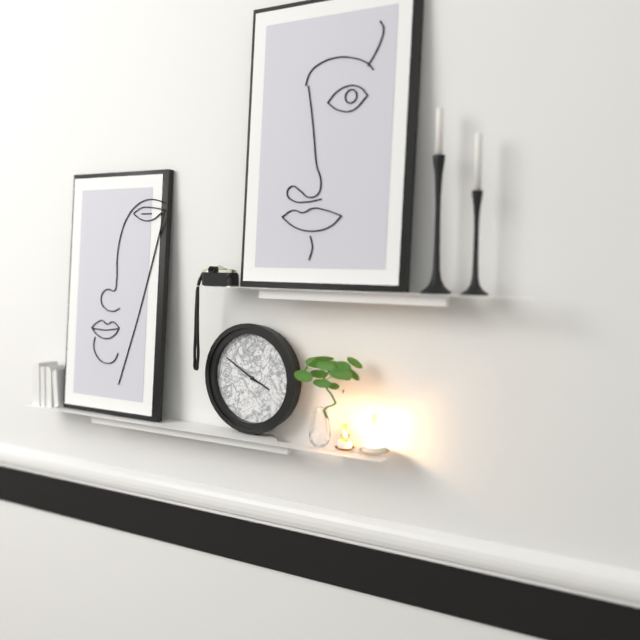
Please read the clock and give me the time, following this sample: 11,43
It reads 3,50
